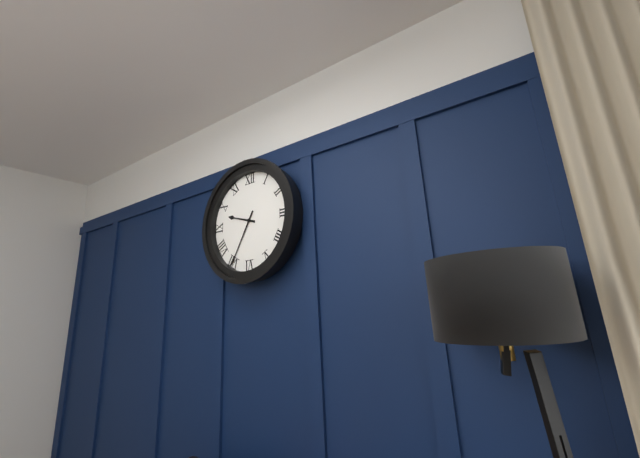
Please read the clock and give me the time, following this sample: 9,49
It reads 9,35
